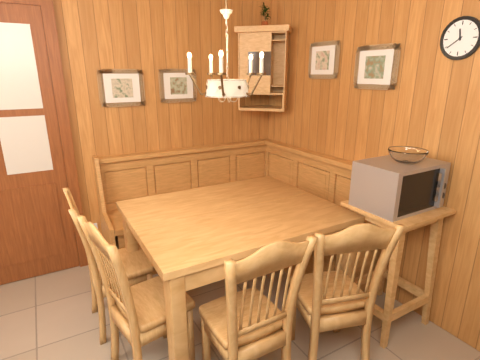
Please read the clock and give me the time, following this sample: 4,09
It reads 11,39
